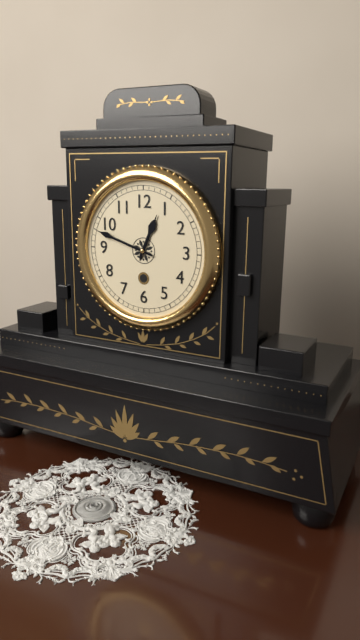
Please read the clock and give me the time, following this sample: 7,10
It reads 12,48
